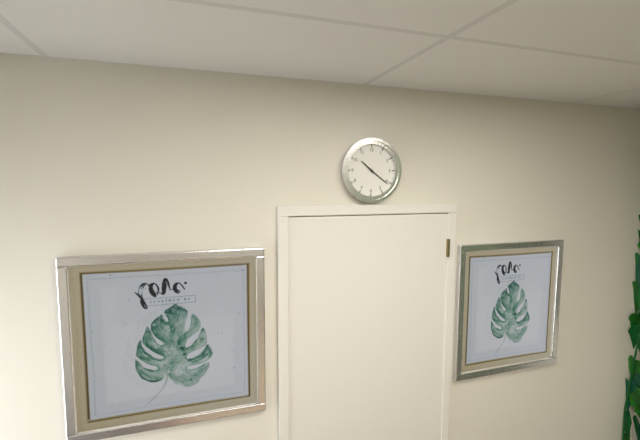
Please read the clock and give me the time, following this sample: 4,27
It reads 10,21
